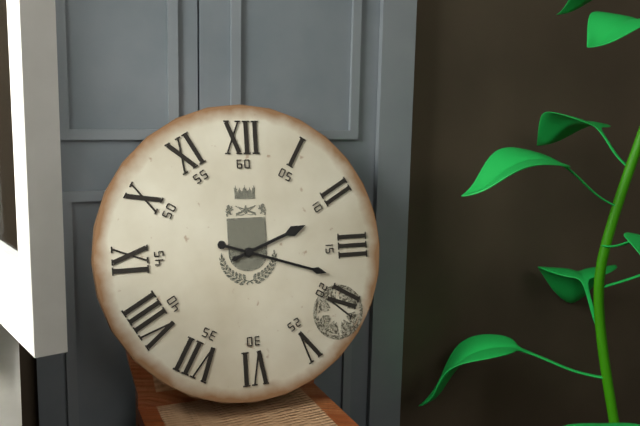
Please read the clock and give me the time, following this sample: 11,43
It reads 2,18
